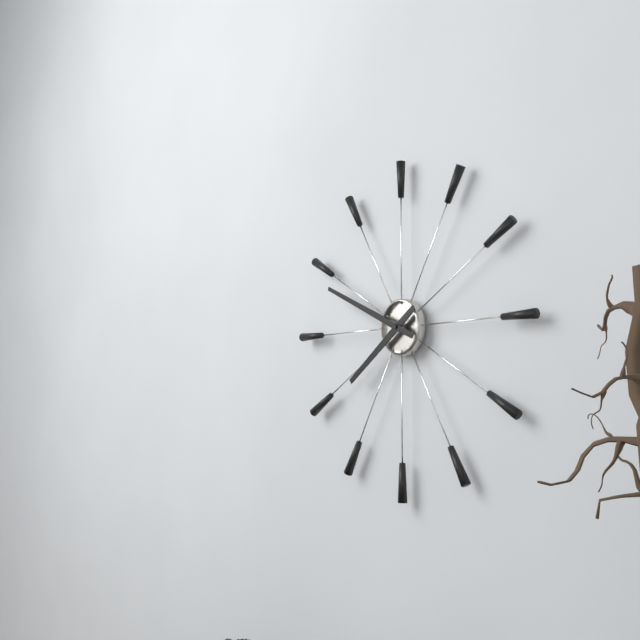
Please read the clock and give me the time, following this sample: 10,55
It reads 7,49
